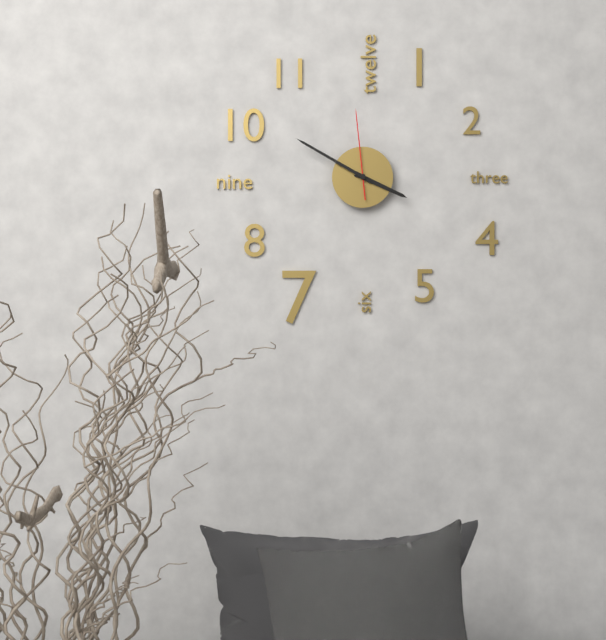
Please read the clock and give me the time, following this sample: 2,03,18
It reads 3,50,59
